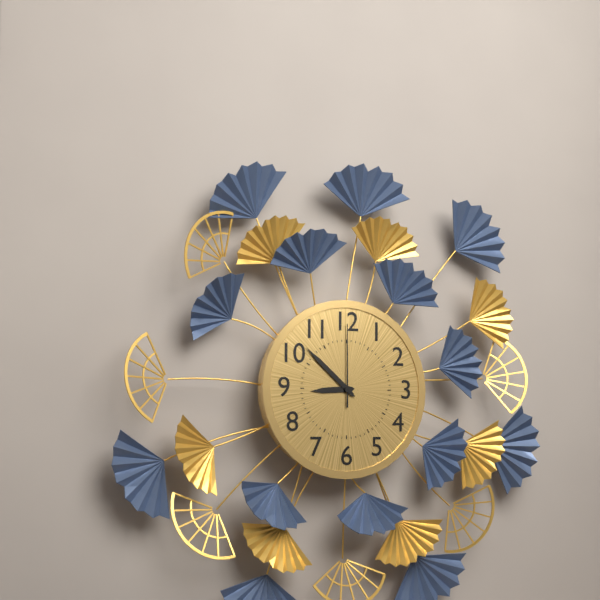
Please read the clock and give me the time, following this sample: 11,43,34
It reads 8,52,00
